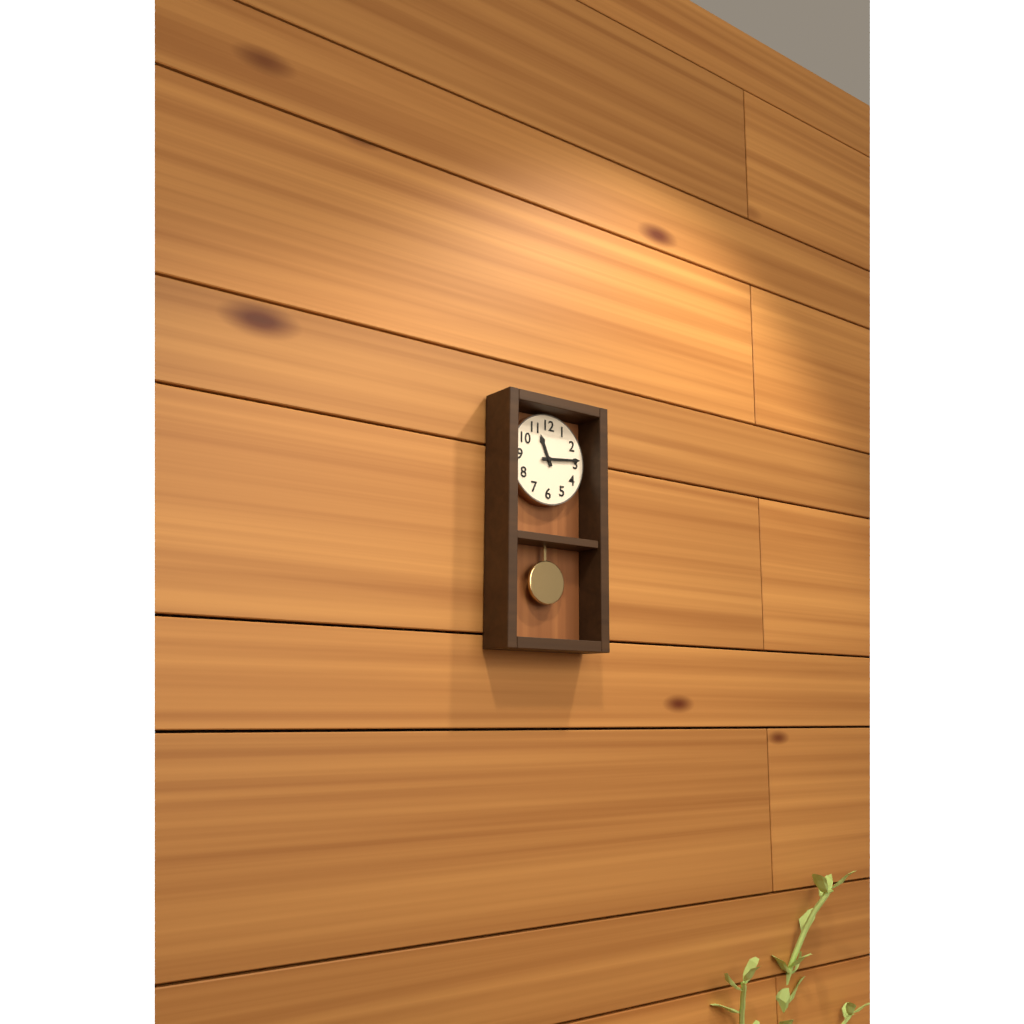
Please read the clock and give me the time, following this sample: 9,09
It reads 11,14
